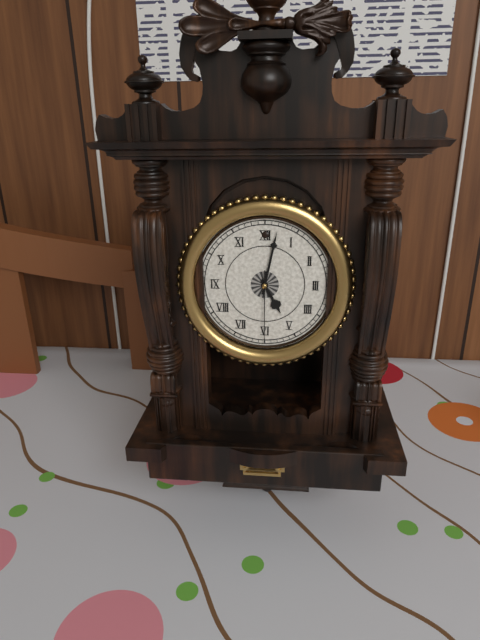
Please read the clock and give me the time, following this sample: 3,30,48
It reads 5,02,30
